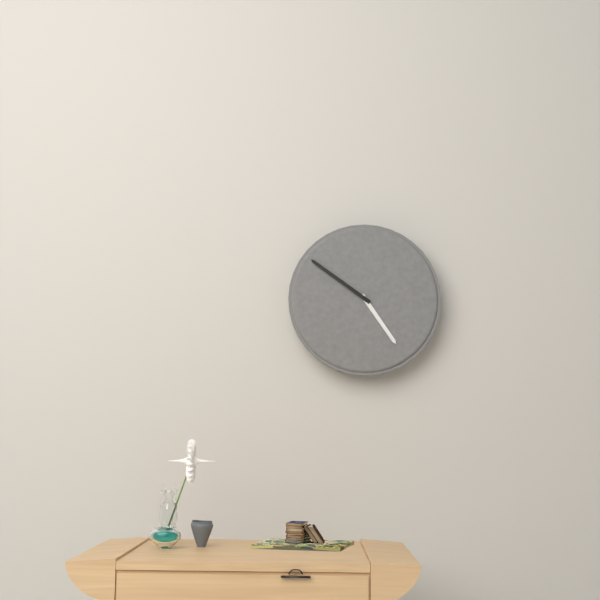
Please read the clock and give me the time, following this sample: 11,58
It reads 4,51
